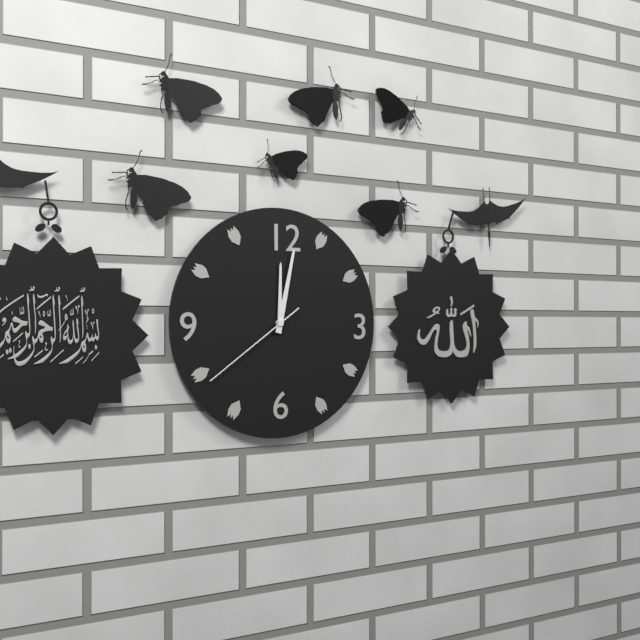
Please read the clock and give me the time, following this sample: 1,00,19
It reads 12,02,39
